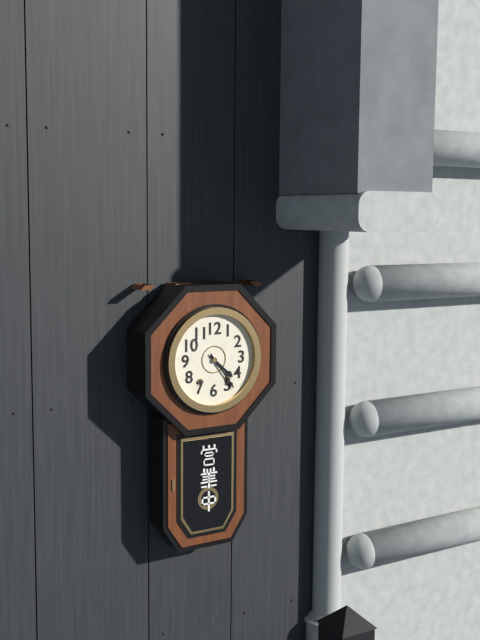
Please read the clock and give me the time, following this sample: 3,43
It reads 4,24
